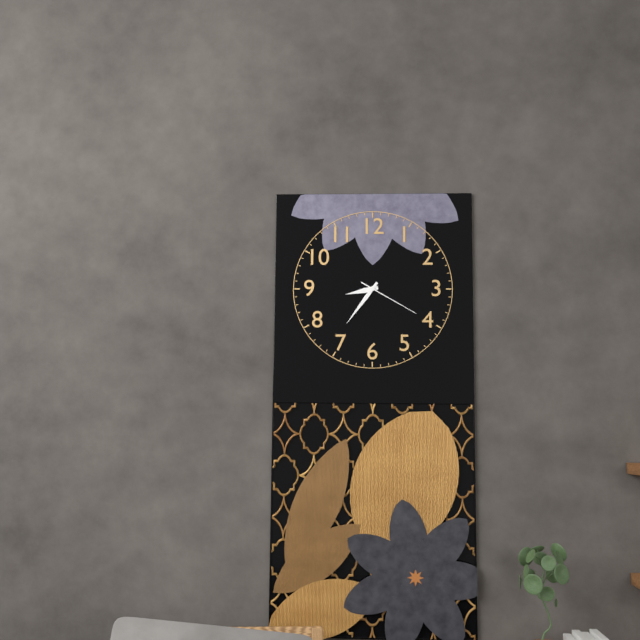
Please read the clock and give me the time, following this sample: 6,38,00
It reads 8,36,20
